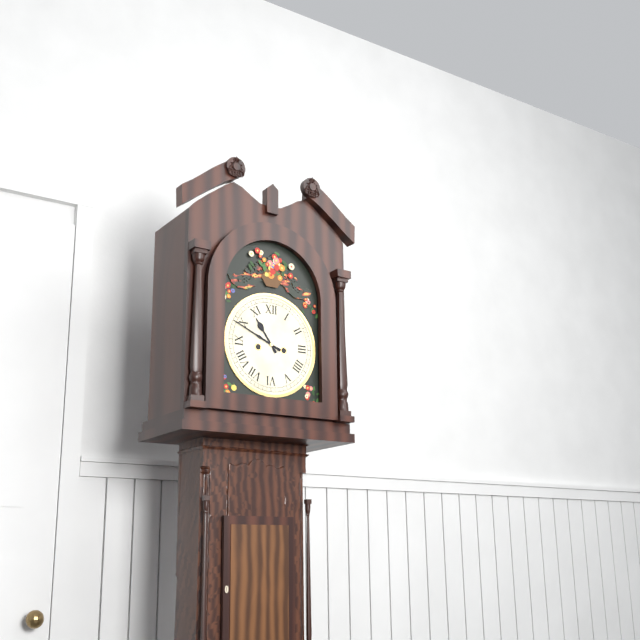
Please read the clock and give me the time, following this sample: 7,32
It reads 10,49
